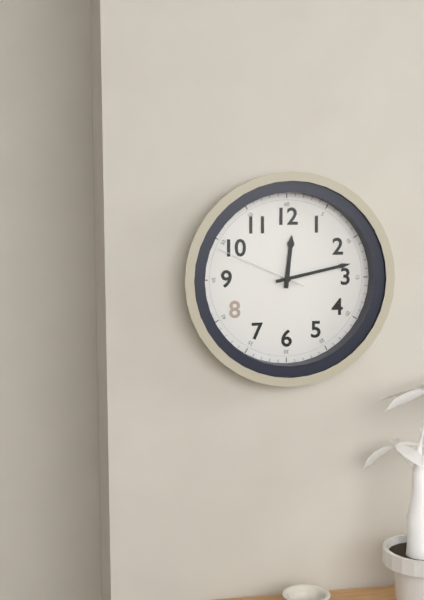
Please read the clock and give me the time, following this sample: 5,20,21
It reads 12,13,49
